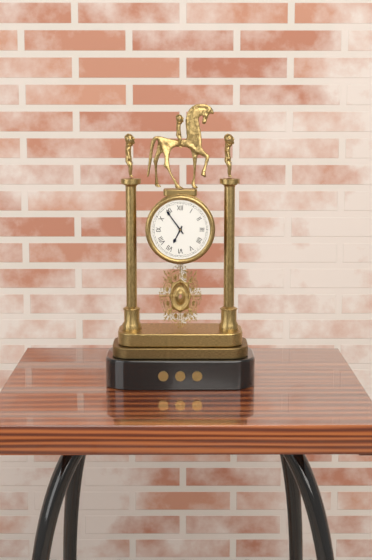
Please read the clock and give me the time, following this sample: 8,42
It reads 6,54
